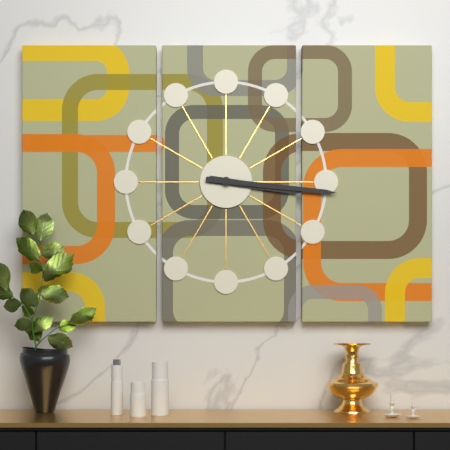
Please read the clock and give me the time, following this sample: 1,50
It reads 3,16
